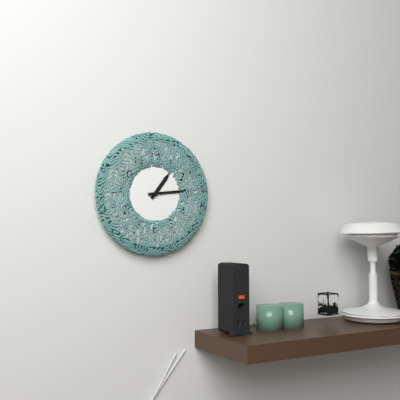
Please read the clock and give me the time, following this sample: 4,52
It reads 1,14
